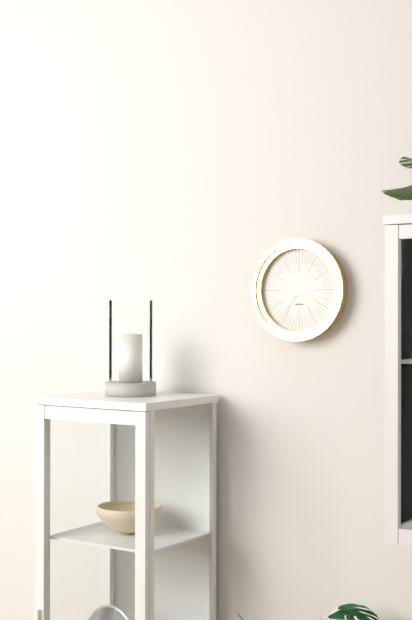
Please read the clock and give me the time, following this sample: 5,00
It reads 7,17
